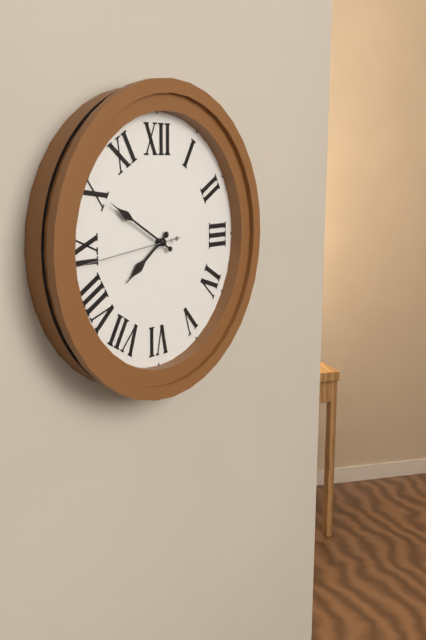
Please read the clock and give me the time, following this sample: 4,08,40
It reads 7,50,44
